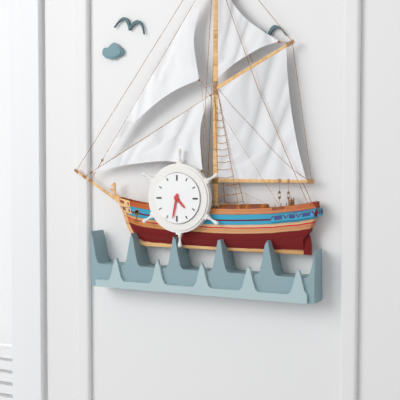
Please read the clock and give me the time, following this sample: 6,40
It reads 4,32
